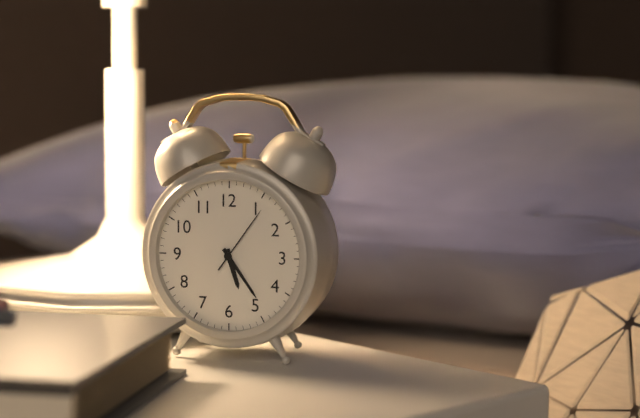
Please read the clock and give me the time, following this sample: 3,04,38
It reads 5,24,06
